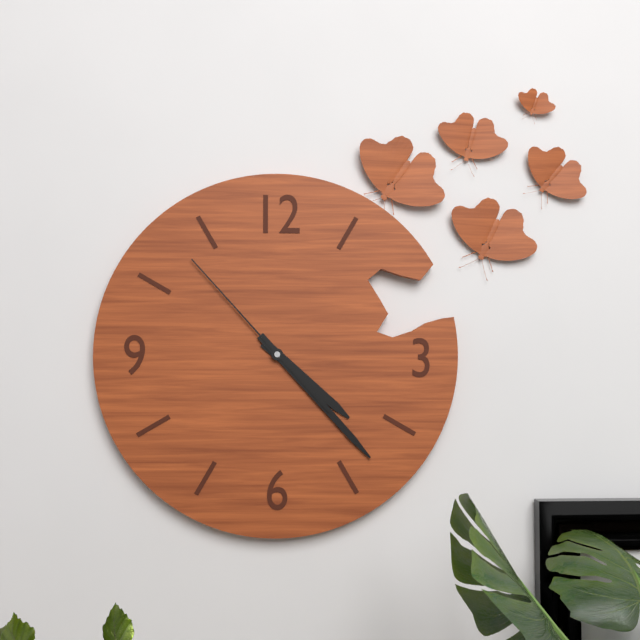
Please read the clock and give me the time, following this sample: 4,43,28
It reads 4,23,53
